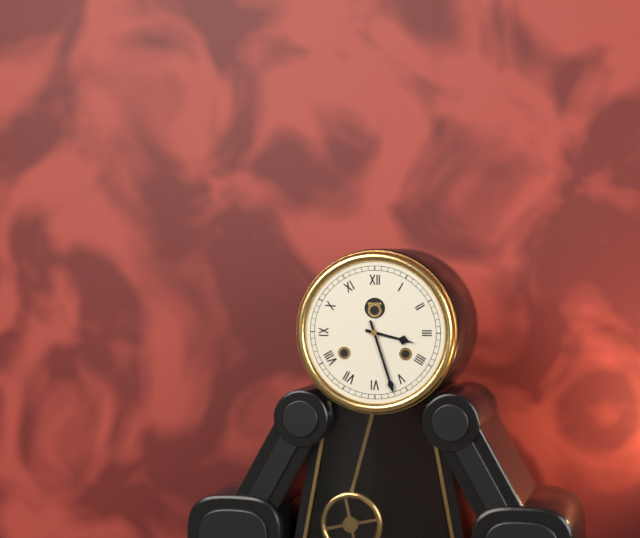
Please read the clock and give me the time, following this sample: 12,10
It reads 3,27
